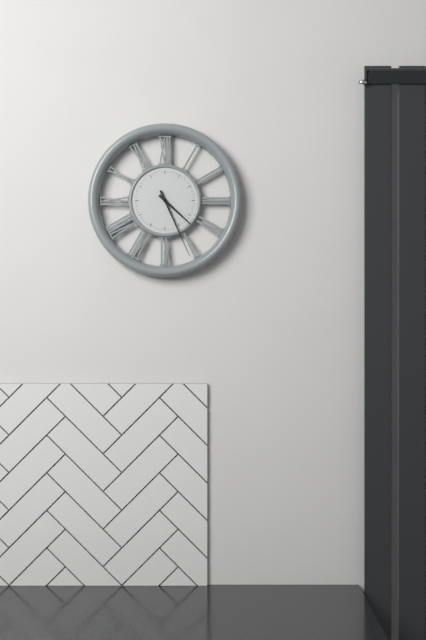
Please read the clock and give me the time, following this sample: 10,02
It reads 4,26
